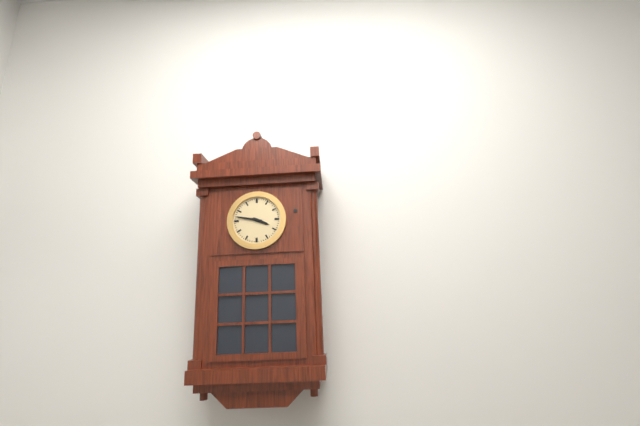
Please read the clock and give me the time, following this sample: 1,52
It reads 3,47
